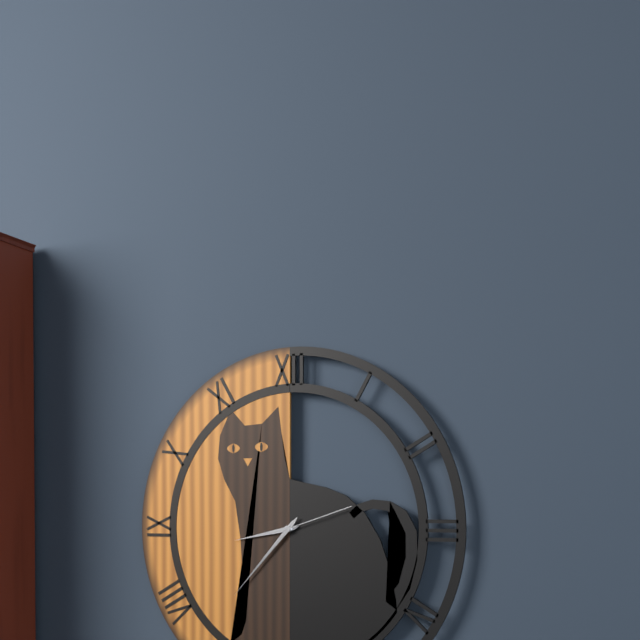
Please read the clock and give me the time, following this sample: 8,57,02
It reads 8,37,12
